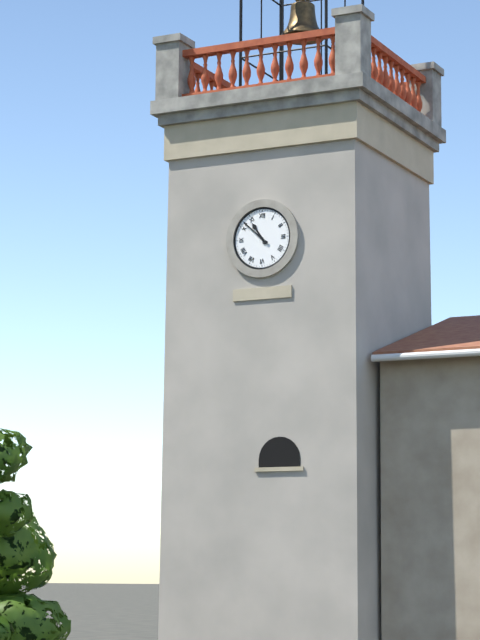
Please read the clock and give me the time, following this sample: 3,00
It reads 10,52
